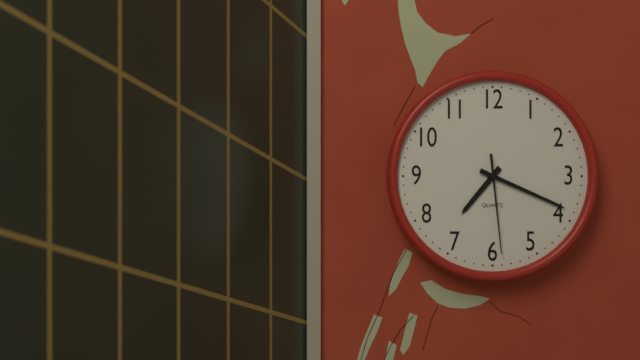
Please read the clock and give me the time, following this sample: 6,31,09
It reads 7,19,29
